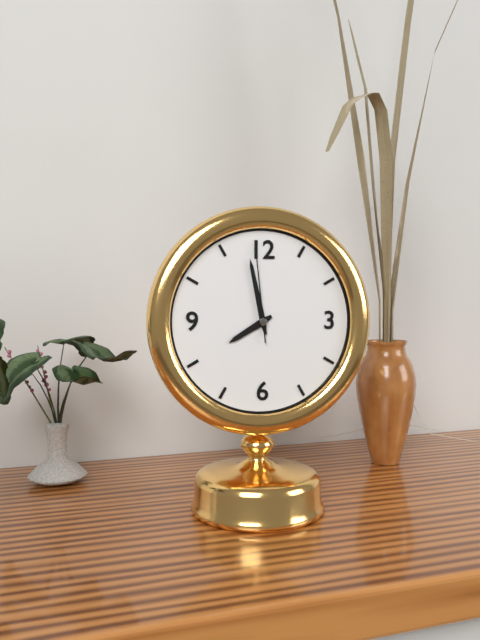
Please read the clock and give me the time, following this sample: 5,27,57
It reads 7,58,59
